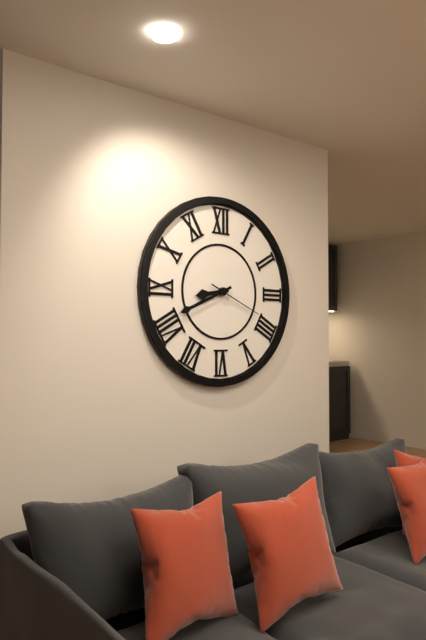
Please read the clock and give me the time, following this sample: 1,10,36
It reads 8,41,19
